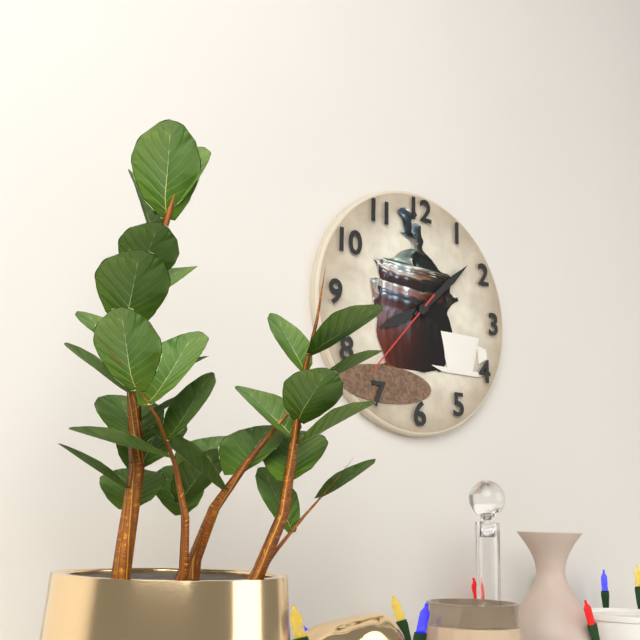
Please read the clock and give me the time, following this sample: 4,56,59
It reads 8,08,37
